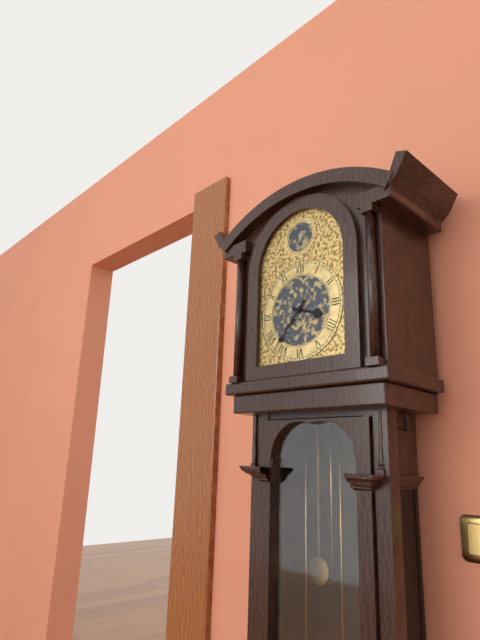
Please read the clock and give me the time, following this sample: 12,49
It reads 3,37
